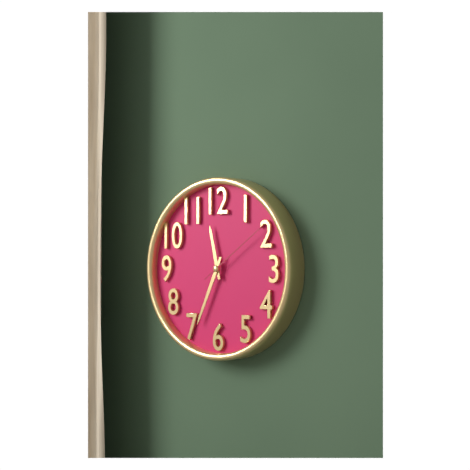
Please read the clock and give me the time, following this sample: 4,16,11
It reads 11,34,09
